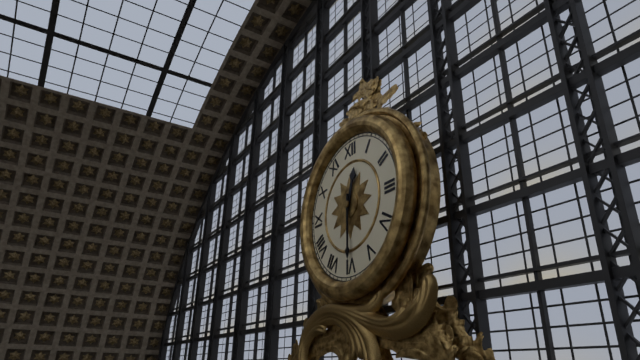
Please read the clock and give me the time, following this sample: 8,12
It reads 12,30
